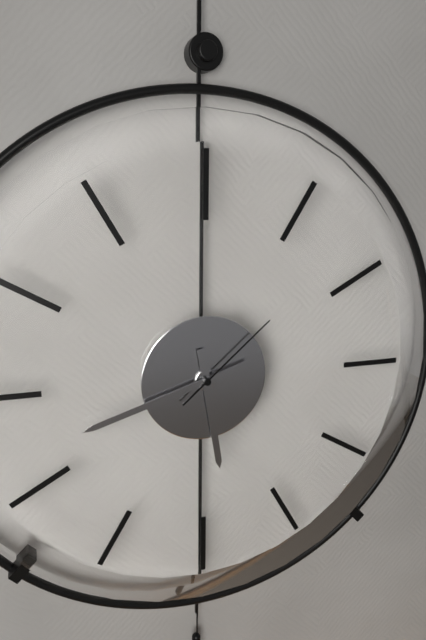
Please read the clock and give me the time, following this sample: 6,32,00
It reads 5,42,08
